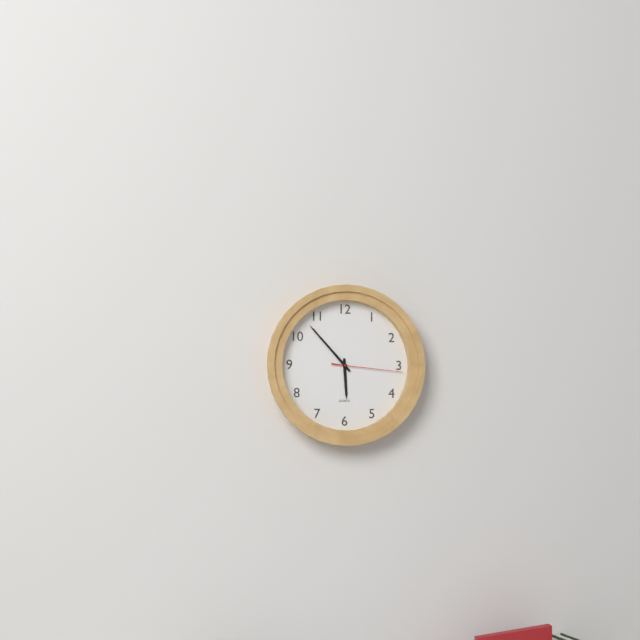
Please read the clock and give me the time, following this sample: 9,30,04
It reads 5,53,16
